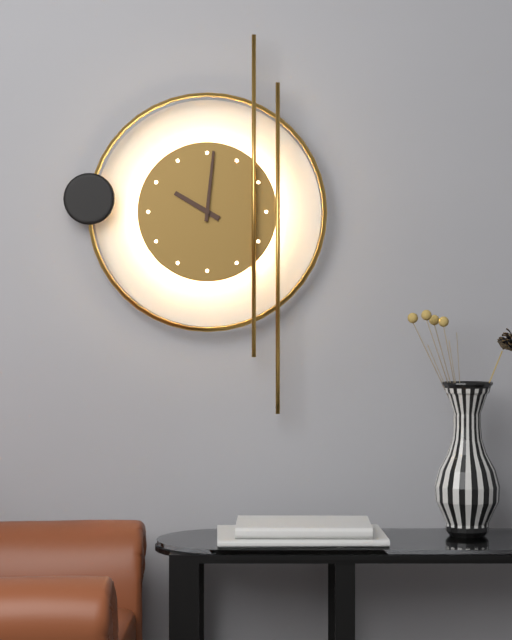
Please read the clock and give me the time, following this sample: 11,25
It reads 10,01
